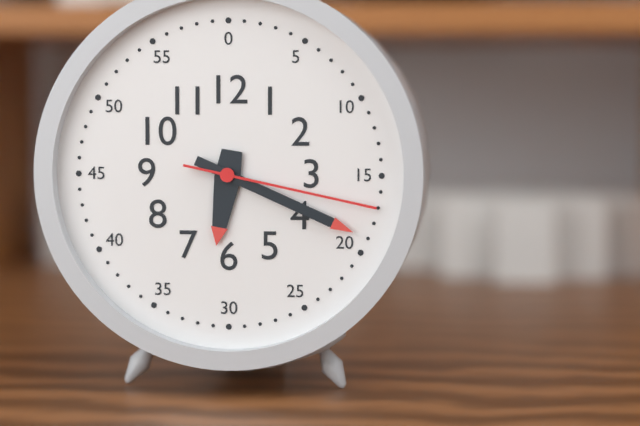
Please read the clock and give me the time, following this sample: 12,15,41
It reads 6,19,17
